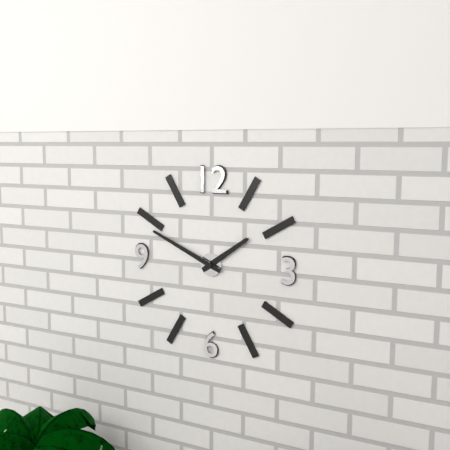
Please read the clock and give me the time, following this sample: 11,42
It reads 1,49
